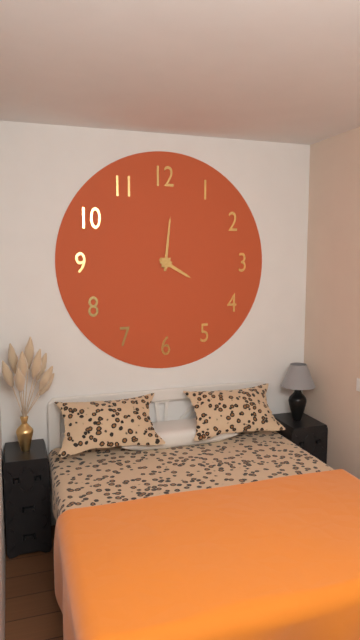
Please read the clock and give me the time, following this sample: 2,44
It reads 4,01
